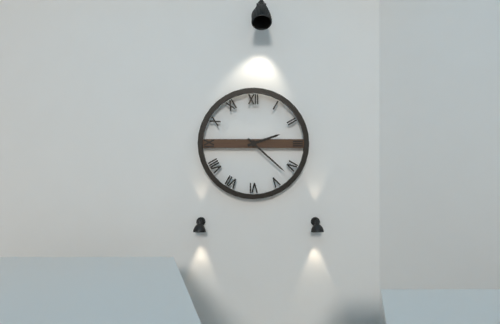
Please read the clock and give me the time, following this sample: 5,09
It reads 2,22
